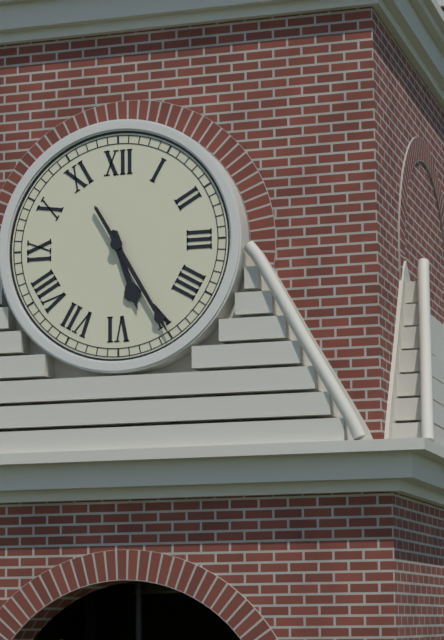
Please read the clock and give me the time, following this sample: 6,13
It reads 5,25
